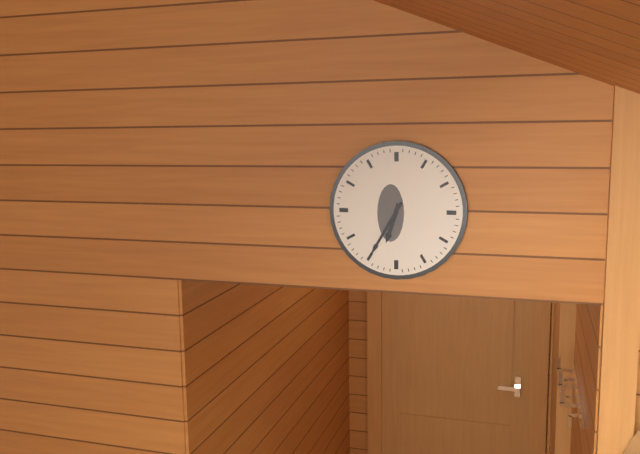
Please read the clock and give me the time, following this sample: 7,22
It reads 6,35
